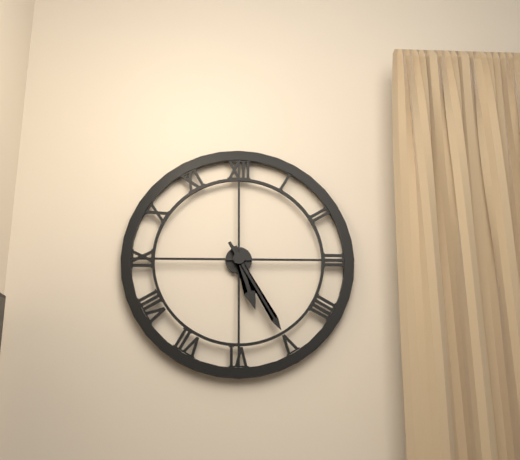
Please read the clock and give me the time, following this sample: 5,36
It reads 5,25
